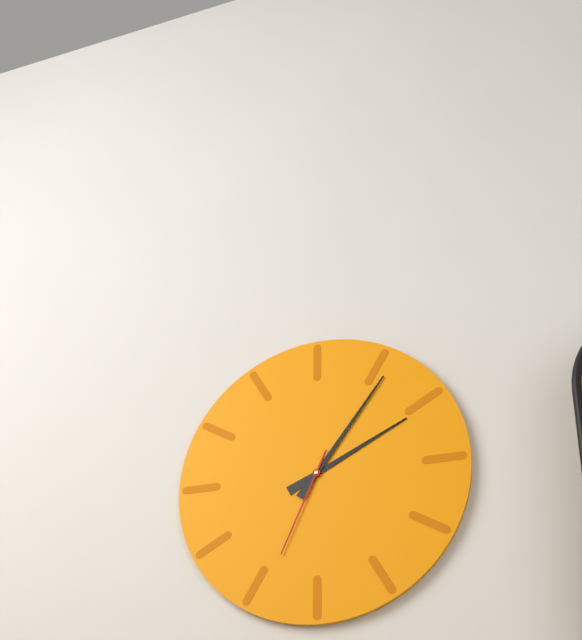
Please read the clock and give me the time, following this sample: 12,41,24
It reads 2,06,34
